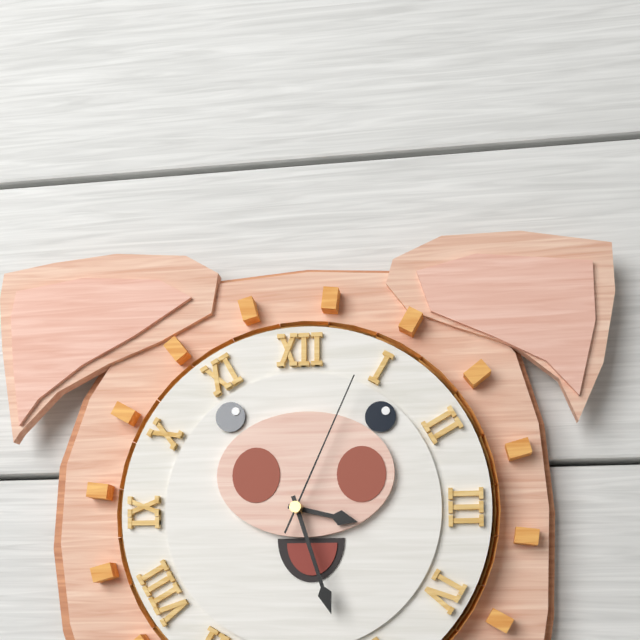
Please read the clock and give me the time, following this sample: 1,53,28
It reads 3,27,04
